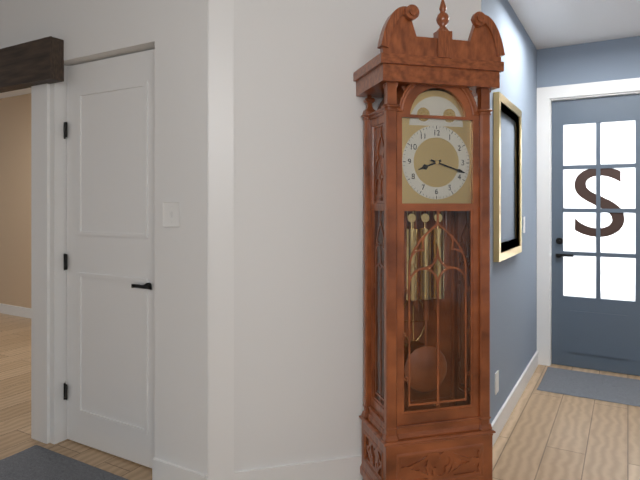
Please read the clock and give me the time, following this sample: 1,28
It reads 8,18
